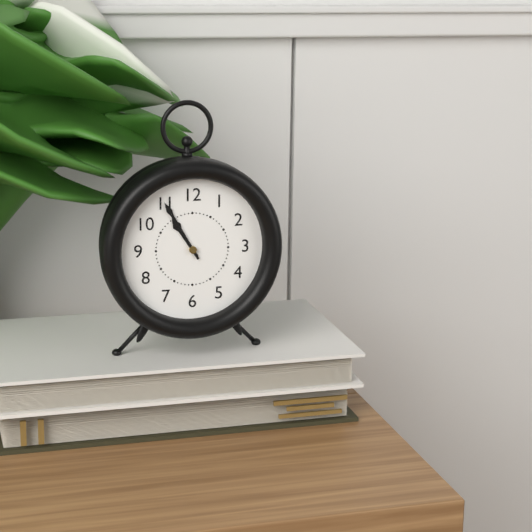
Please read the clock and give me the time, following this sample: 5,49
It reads 10,55
